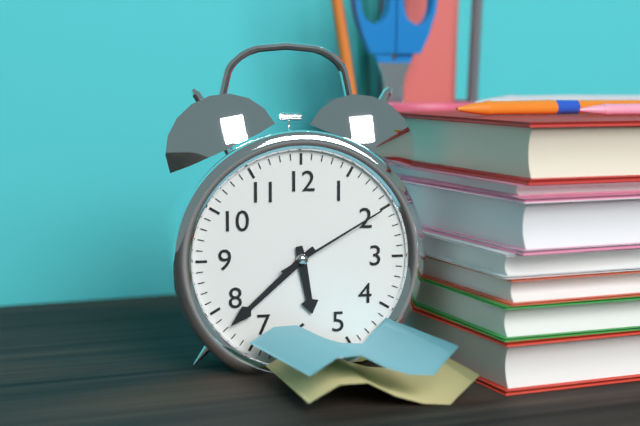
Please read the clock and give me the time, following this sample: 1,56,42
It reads 5,38,10
